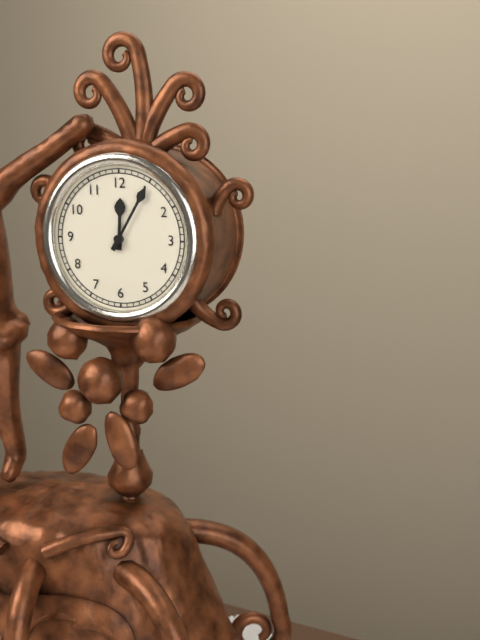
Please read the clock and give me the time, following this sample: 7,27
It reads 12,05
